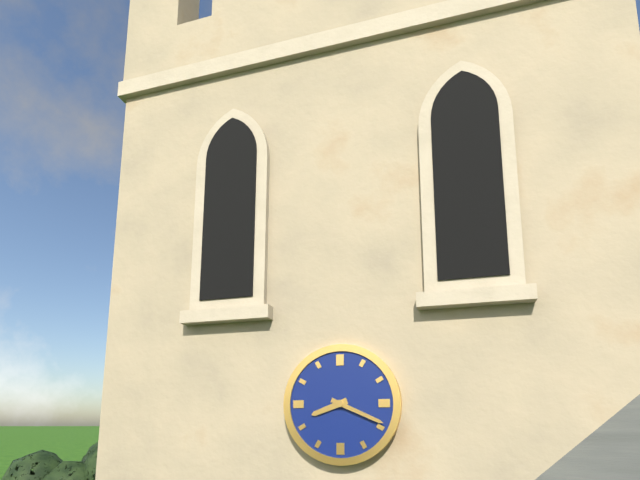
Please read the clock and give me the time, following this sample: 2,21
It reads 8,19
